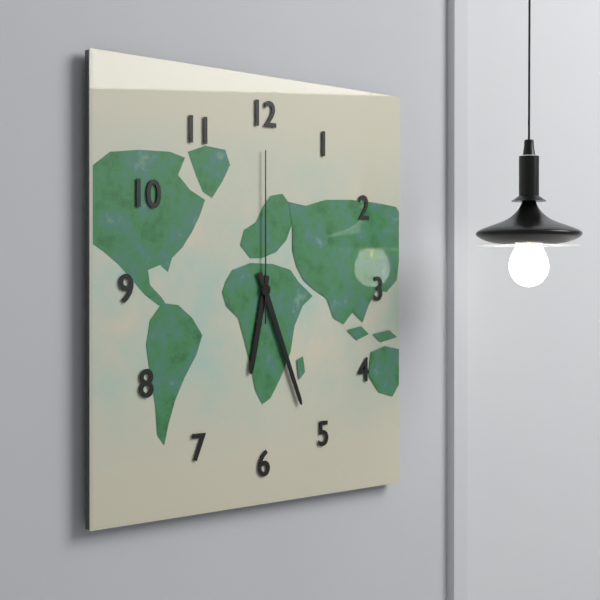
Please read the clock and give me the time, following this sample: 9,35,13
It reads 6,26,00
